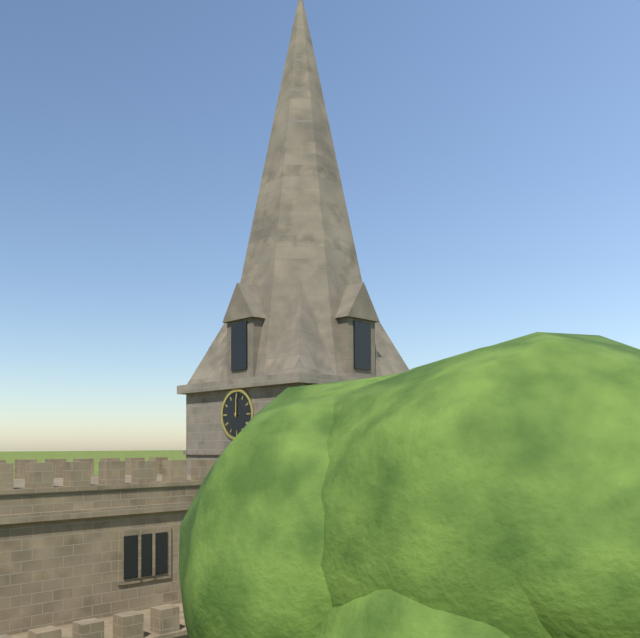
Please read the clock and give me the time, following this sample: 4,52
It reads 12,00
